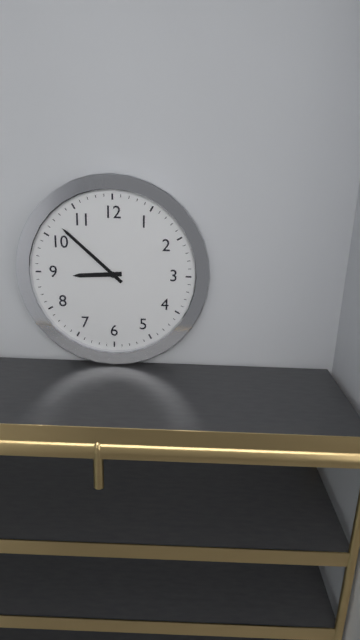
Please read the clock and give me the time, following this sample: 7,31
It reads 8,52
